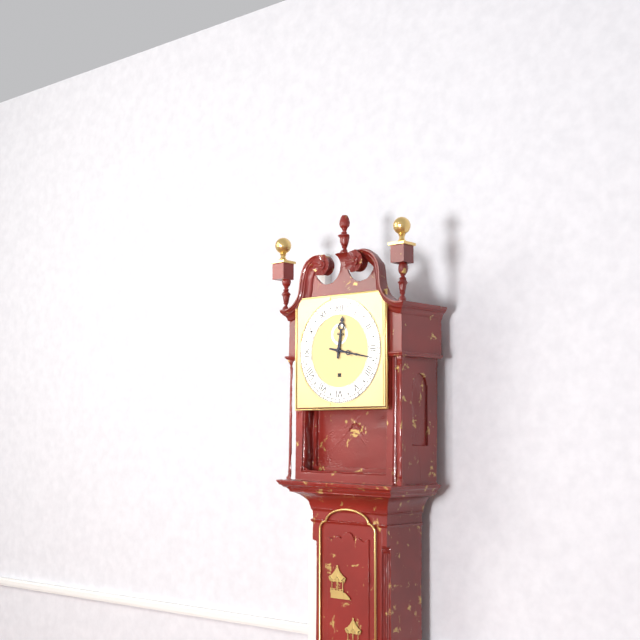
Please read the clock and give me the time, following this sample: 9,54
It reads 12,17
